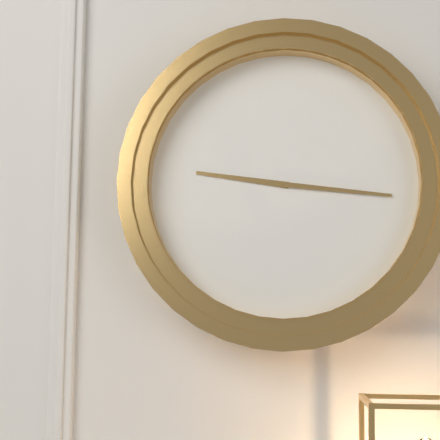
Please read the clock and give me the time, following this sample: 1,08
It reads 9,16
